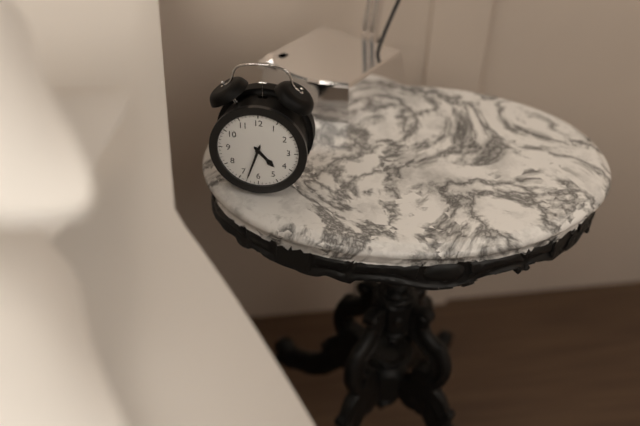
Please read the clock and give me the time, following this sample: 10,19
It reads 4,33
